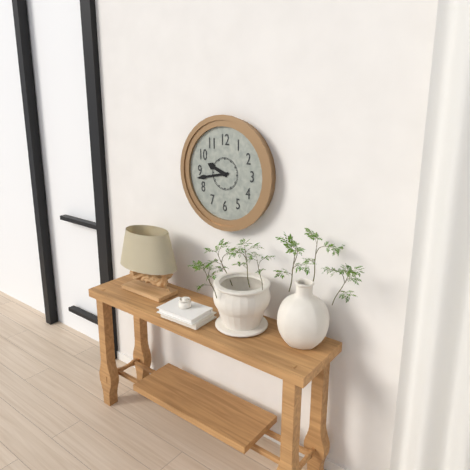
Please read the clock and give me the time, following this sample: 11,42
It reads 9,43
